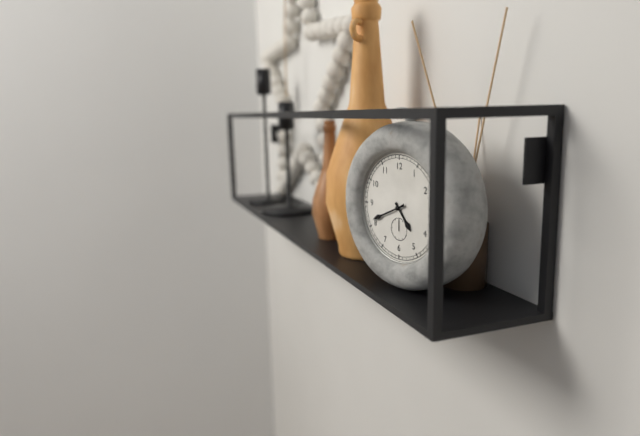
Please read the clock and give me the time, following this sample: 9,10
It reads 4,41
